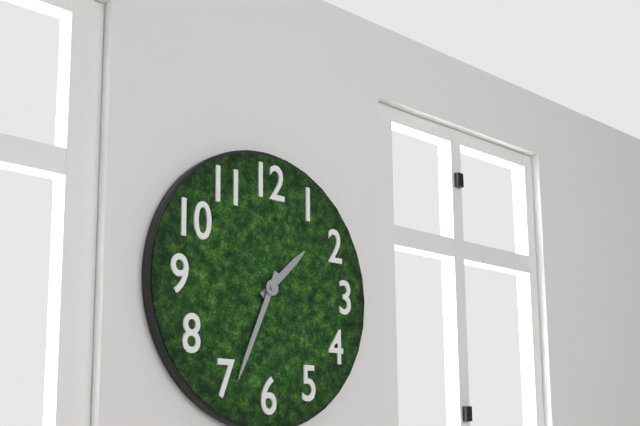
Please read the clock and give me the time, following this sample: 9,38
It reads 1,34
